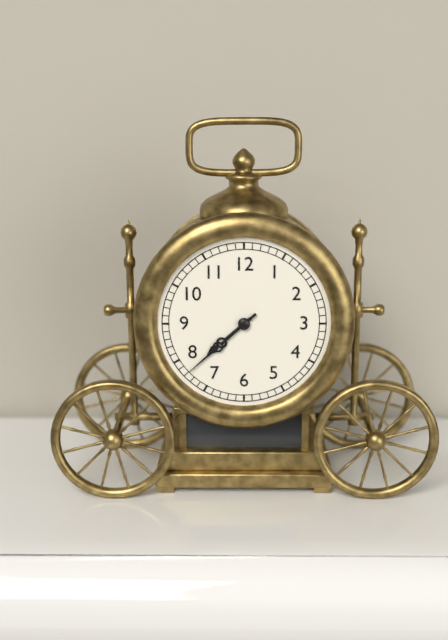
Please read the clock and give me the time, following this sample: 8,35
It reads 7,38
